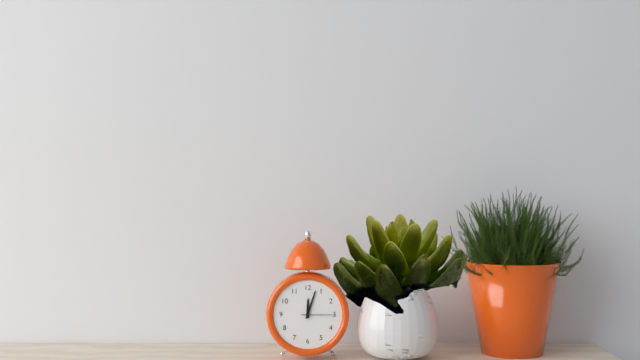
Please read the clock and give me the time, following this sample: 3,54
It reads 12,03
